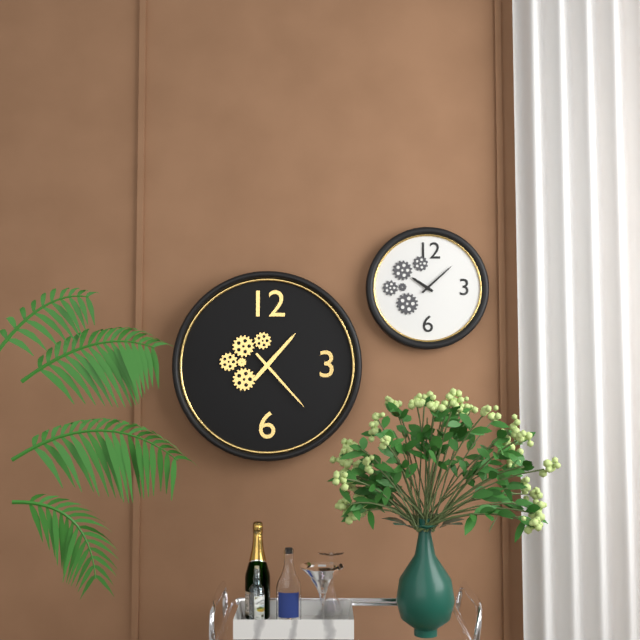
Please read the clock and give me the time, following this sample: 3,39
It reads 1,23
